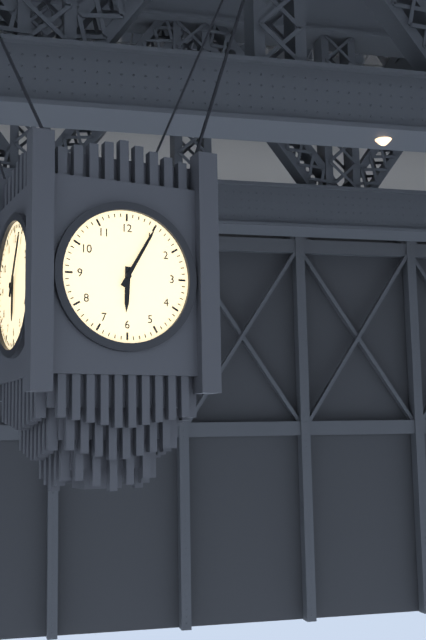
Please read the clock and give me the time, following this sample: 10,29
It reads 6,05
